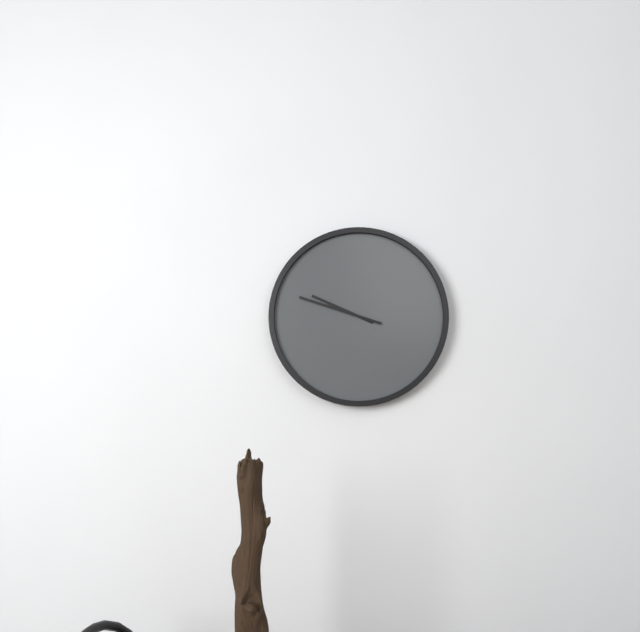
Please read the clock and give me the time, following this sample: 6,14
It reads 9,48
